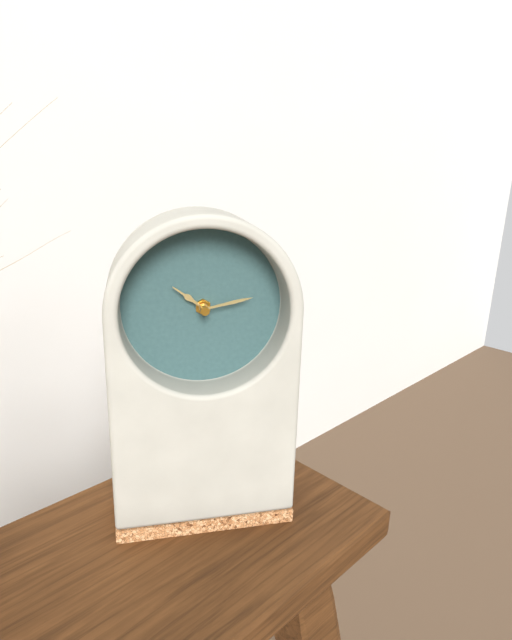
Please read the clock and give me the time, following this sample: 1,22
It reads 10,13
